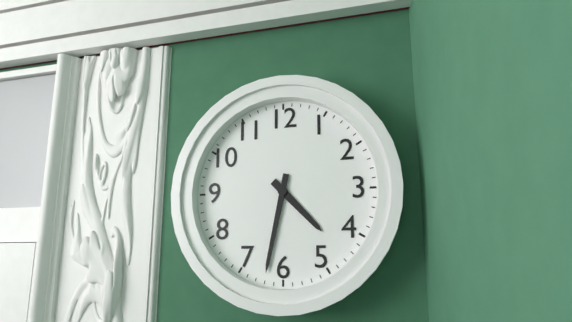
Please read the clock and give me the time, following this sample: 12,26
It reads 4,32
